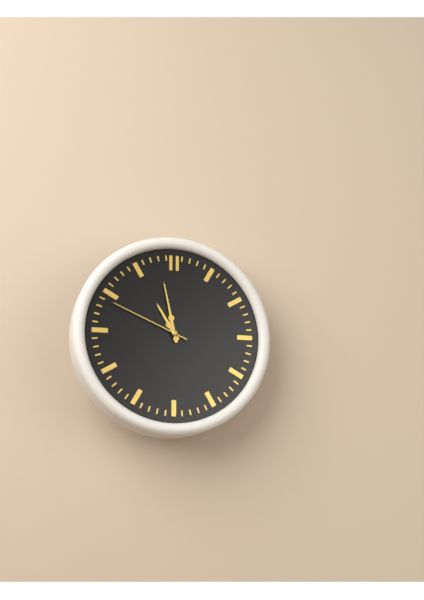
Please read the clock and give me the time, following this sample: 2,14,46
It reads 10,58,49
